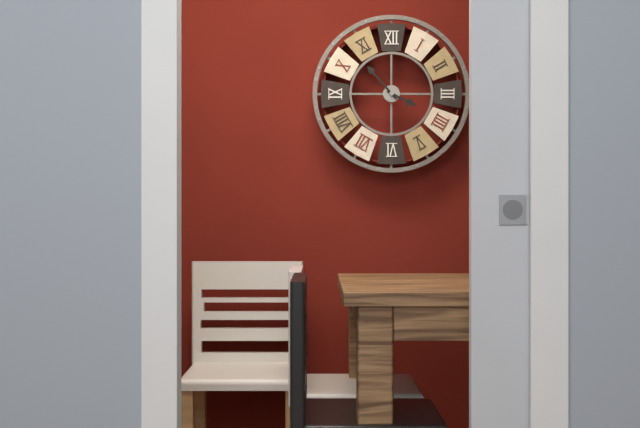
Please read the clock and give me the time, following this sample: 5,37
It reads 3,53
